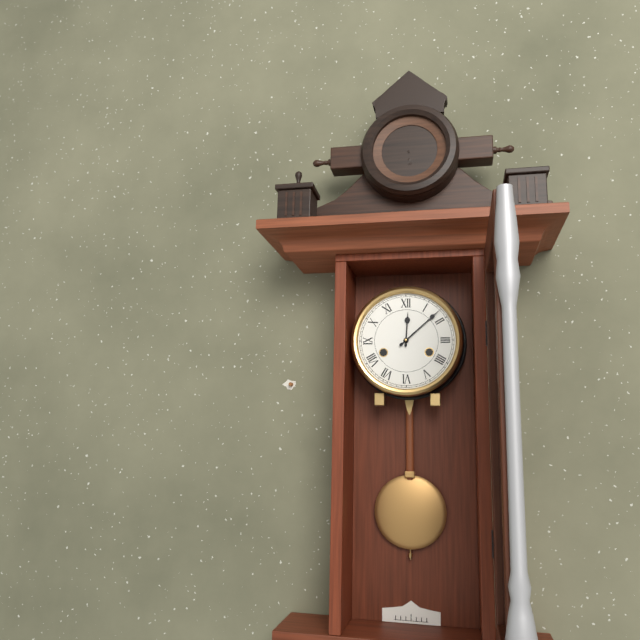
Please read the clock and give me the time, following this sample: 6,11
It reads 12,08
